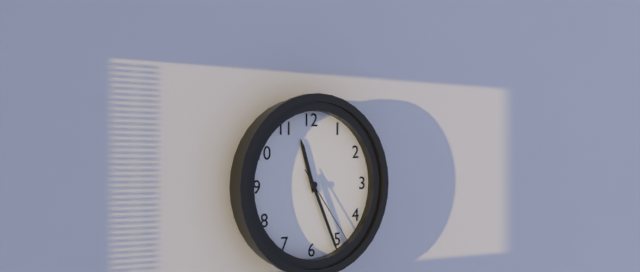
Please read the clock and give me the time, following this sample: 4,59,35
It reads 11,26,24
